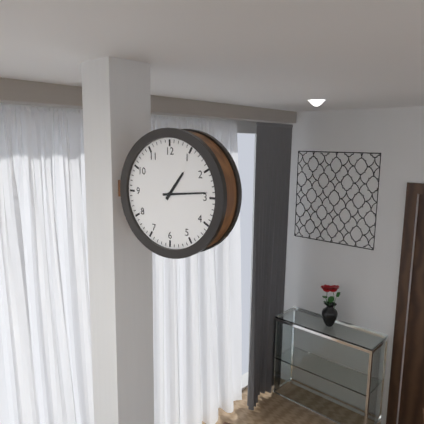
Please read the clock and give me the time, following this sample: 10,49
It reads 1,14
